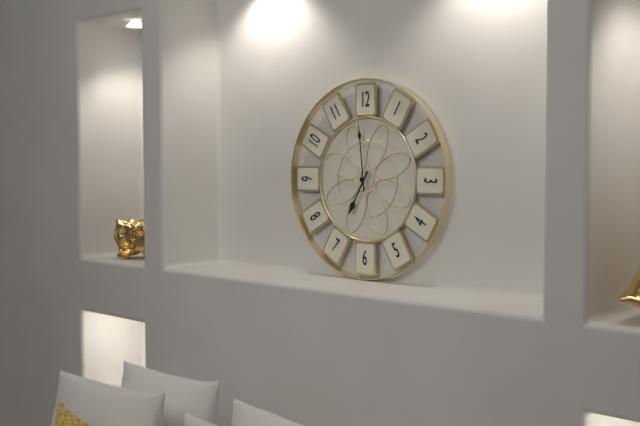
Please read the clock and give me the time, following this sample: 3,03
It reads 6,59
